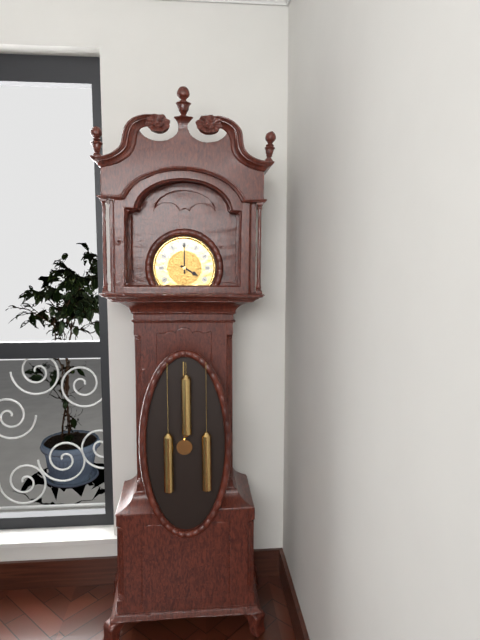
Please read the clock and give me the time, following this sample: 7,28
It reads 4,00
